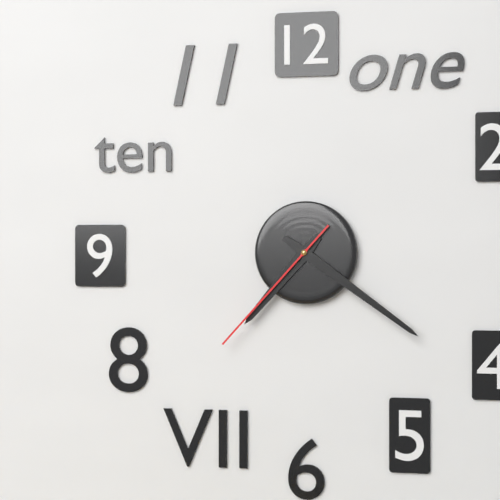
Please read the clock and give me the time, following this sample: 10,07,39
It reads 7,21,37
